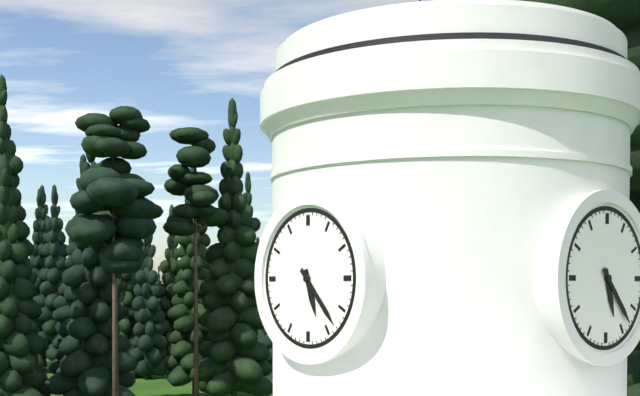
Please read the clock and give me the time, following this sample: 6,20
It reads 5,23
